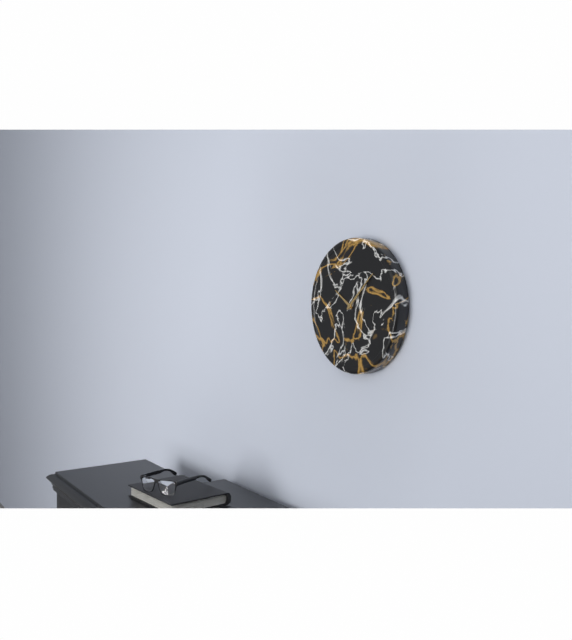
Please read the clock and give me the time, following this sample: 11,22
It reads 10,08
